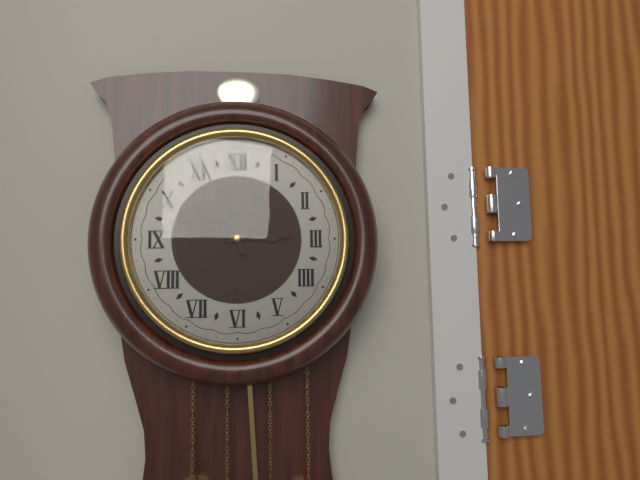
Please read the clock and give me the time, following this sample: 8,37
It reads 2,56
